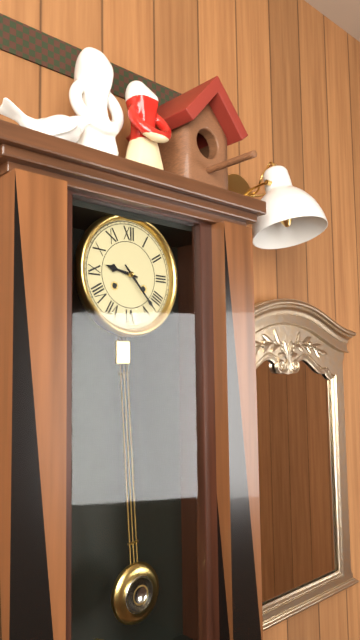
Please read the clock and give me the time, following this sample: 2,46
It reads 9,23
